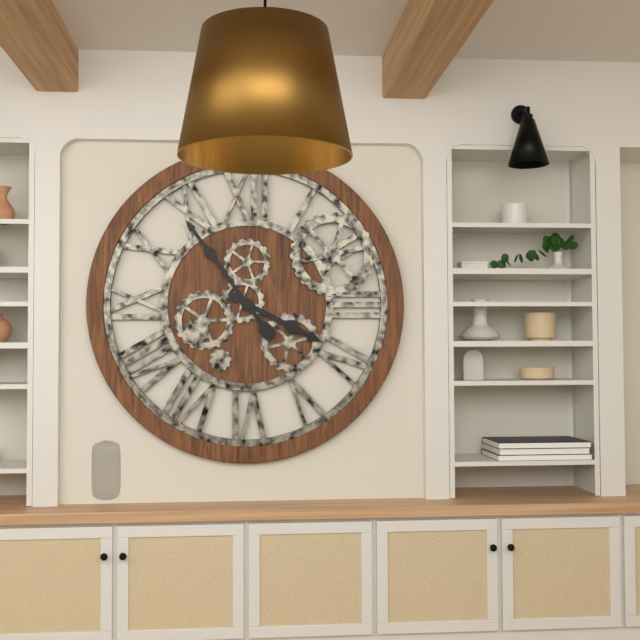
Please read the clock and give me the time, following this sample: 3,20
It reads 3,54
